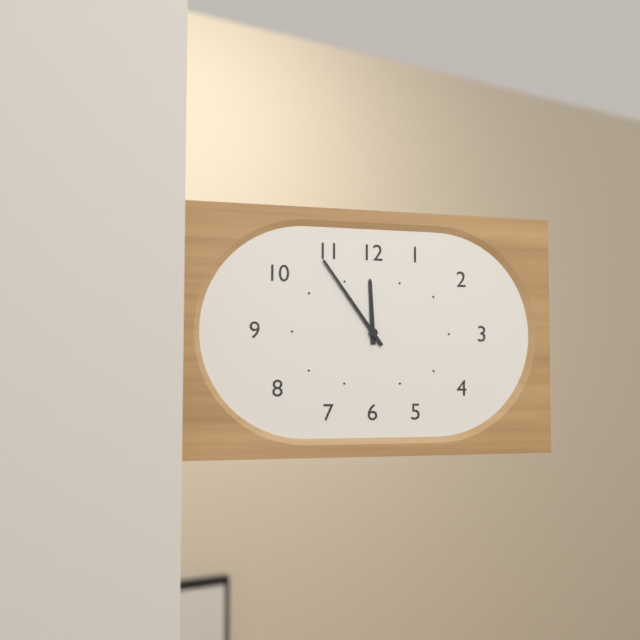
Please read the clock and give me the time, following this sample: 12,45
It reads 11,54
